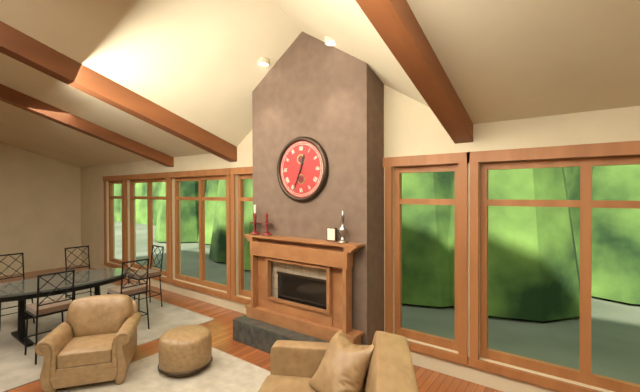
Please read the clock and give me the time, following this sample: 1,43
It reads 12,34
